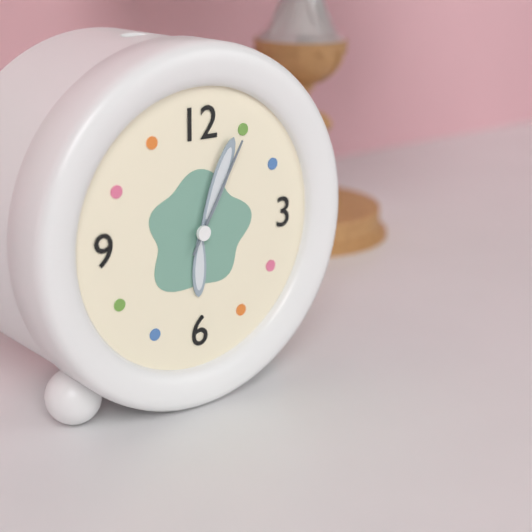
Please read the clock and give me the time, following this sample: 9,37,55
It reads 6,04,05
